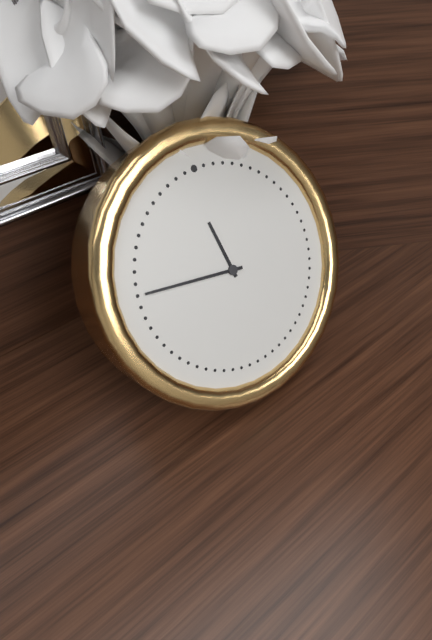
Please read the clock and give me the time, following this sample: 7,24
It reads 11,47
